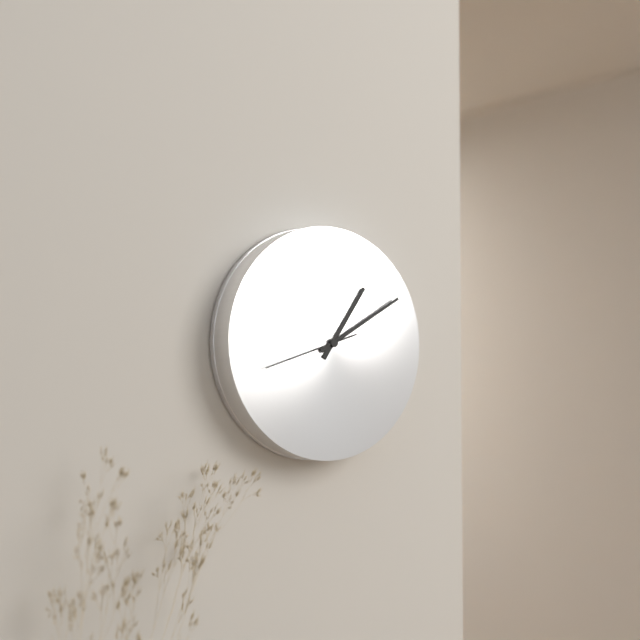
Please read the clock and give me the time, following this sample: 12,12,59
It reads 1,10,42
